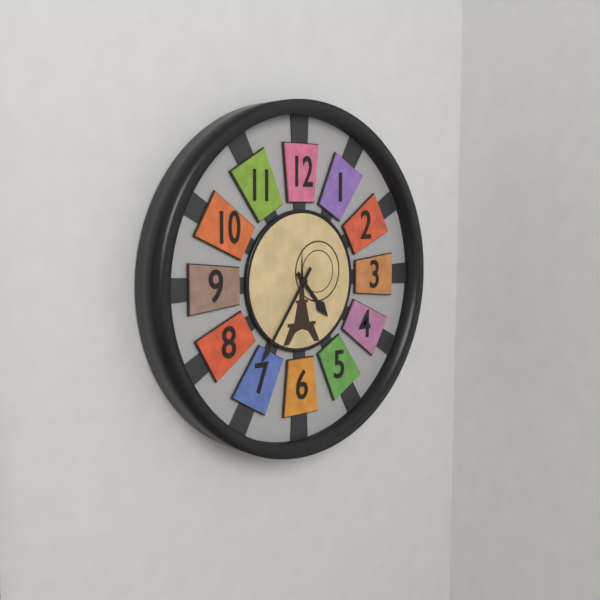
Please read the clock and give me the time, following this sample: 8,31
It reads 4,36
